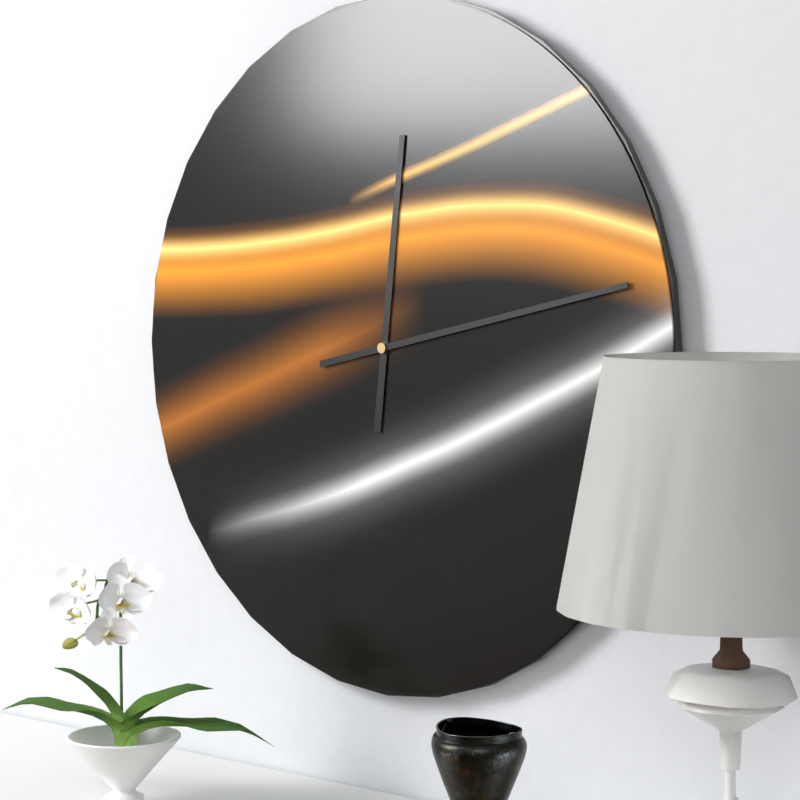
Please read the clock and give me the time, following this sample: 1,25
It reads 12,13
